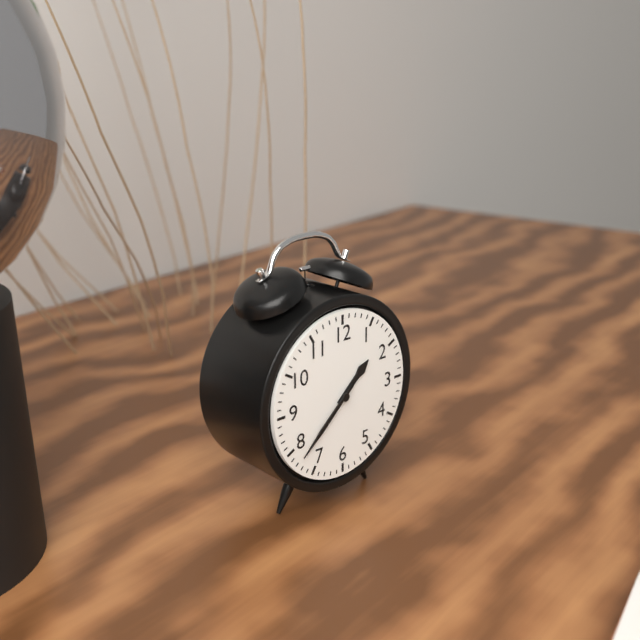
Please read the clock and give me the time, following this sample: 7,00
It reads 1,38
